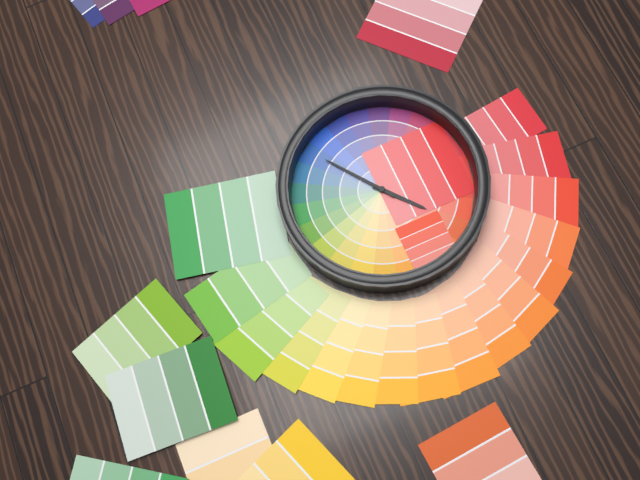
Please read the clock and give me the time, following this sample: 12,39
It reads 1,39
